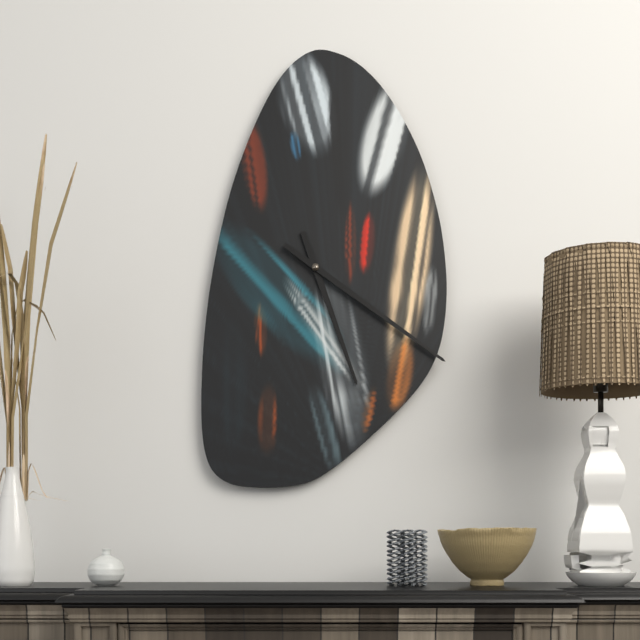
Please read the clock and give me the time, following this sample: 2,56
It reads 5,21
